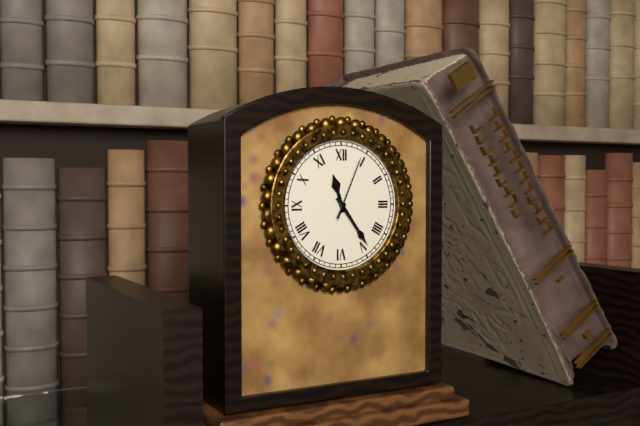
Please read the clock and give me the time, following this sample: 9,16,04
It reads 11,24,04
